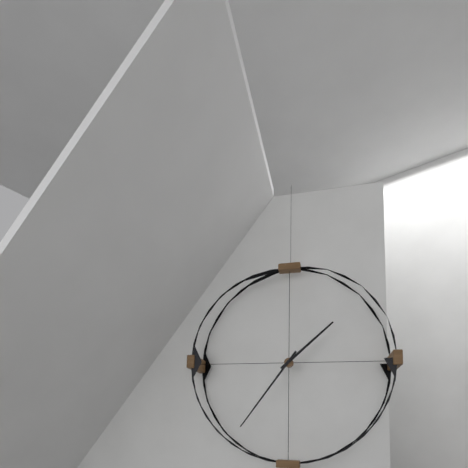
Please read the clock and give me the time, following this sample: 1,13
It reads 1,36
